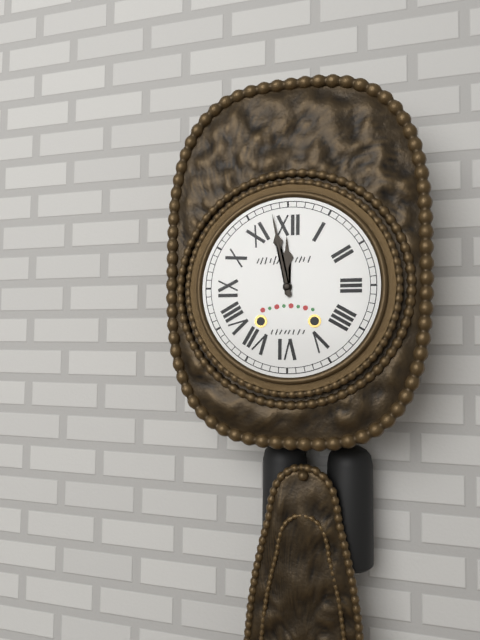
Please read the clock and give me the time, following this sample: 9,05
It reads 11,58
